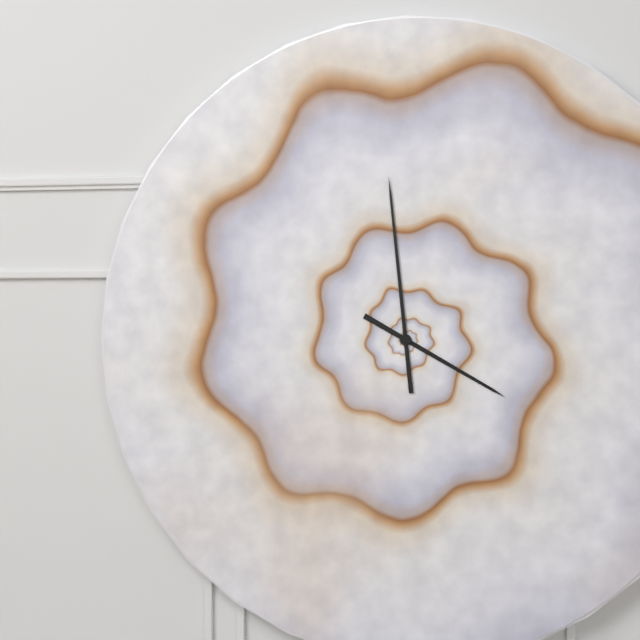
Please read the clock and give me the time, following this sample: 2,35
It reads 3,59
